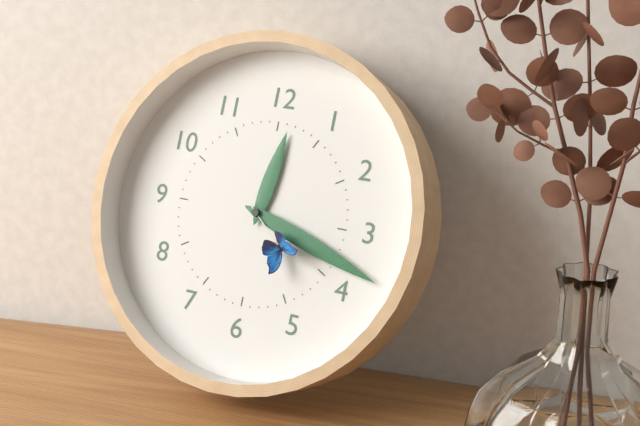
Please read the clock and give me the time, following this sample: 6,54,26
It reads 12,18,22
